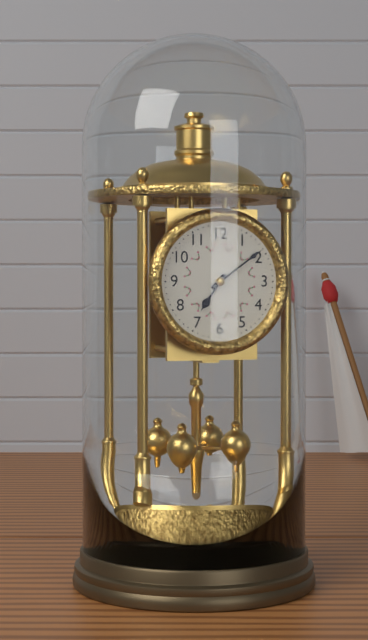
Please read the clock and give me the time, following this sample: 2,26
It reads 7,09
